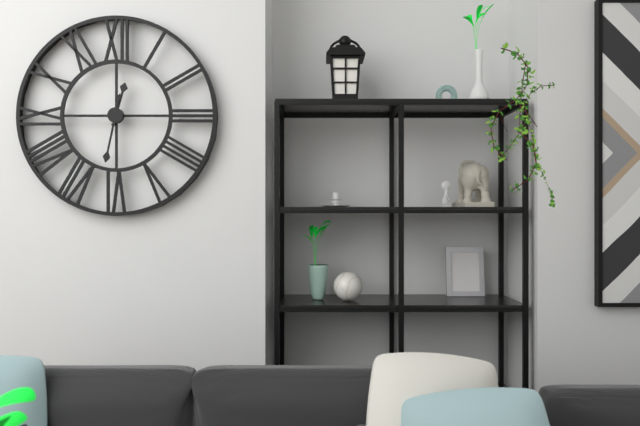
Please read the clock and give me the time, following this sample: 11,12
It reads 12,32
